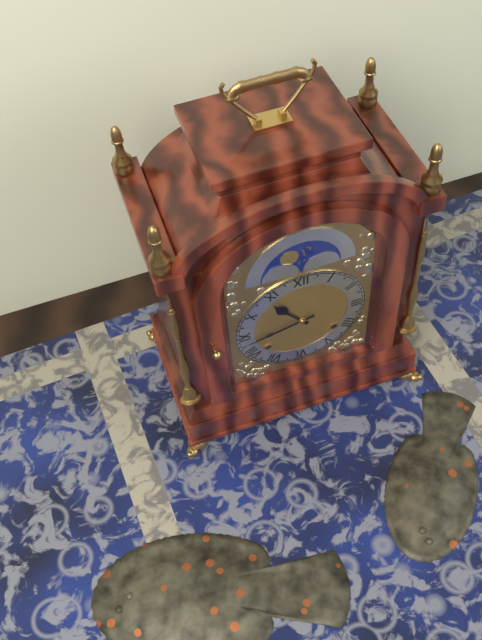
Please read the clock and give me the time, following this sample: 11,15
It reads 10,43
